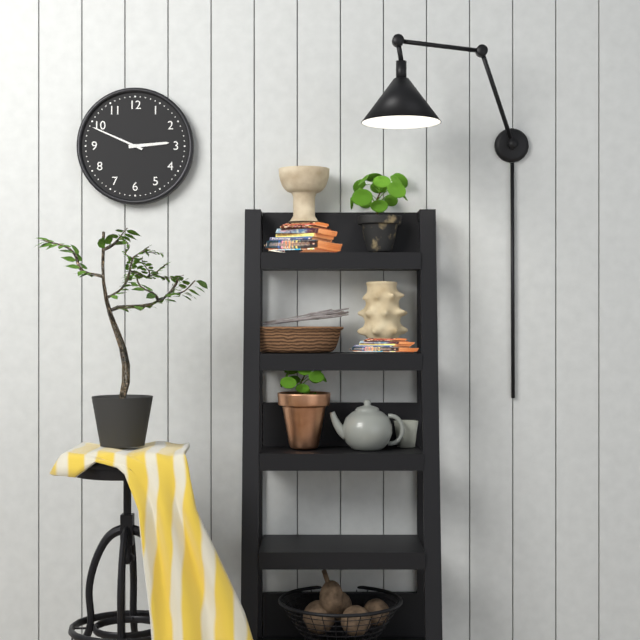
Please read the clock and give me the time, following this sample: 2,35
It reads 2,49
